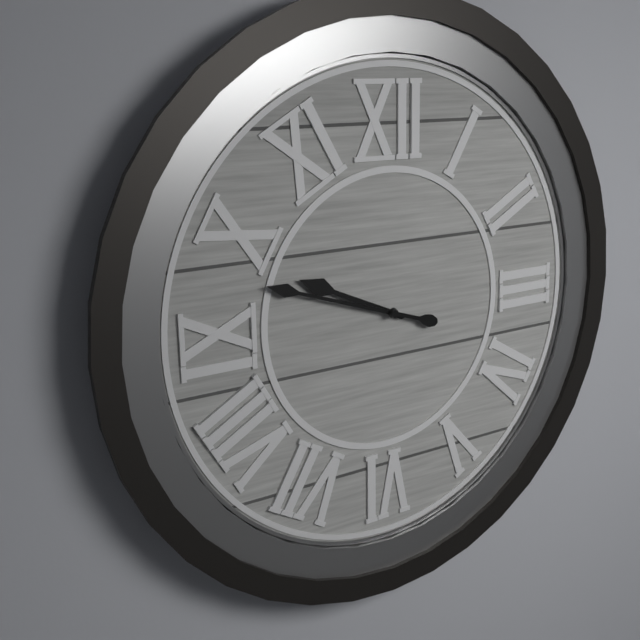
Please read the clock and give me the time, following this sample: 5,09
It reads 9,48
